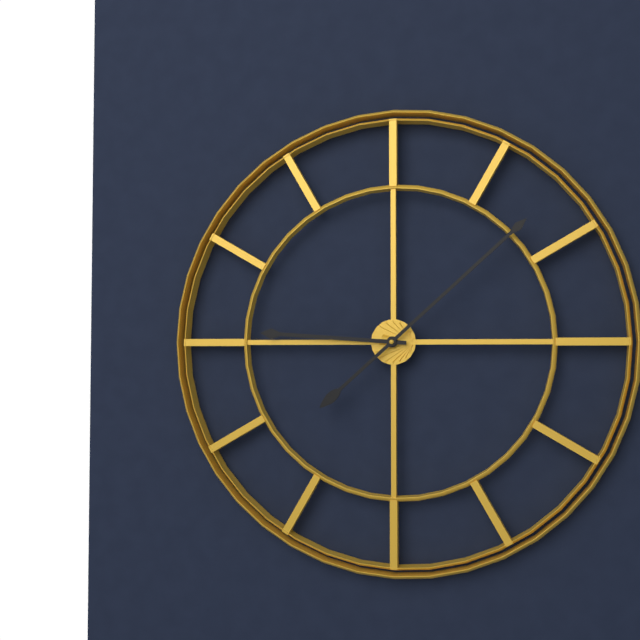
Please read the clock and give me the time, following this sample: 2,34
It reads 9,08
